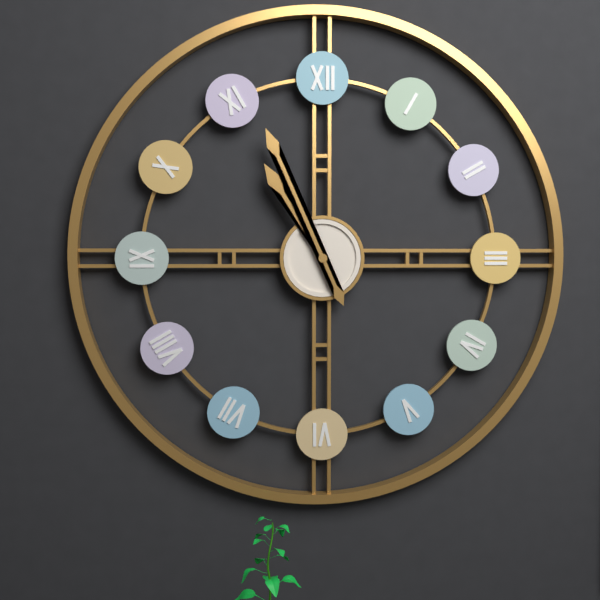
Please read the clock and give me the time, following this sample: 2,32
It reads 10,56
